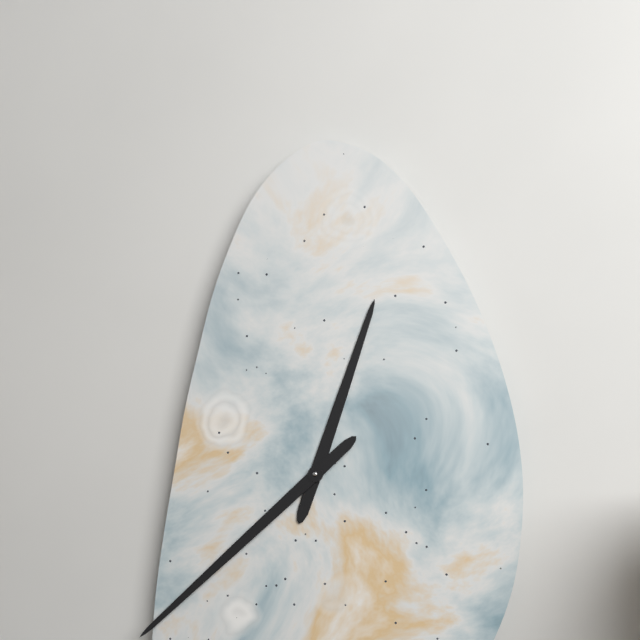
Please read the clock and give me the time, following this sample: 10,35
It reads 12,38
